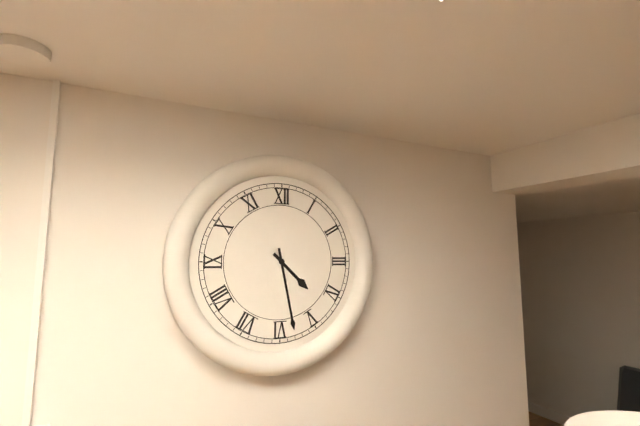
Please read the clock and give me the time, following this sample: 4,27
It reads 4,28
